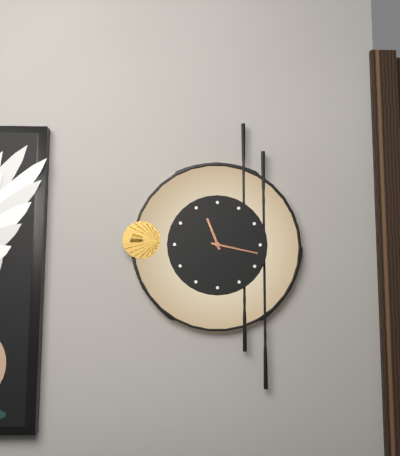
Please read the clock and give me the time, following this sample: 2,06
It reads 11,17
